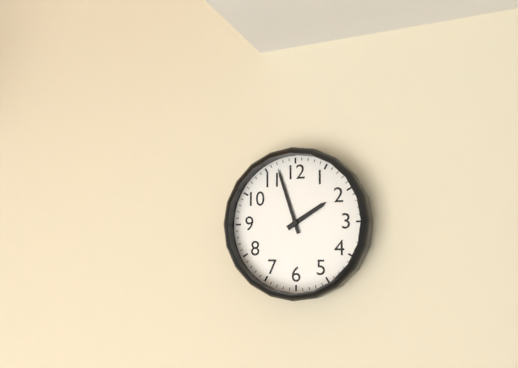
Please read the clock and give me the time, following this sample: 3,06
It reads 1,57
